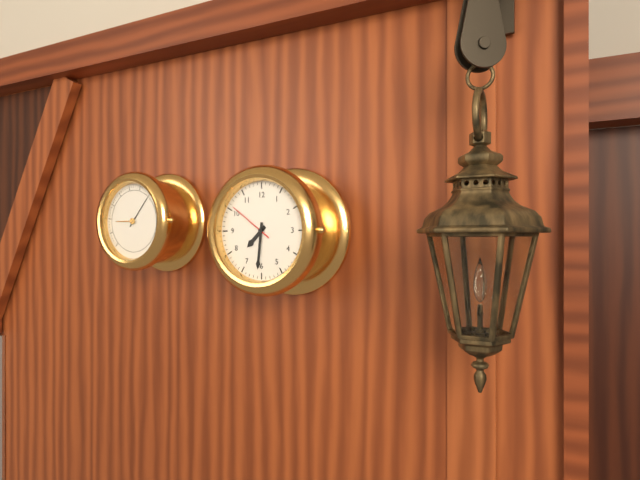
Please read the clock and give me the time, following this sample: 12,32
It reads 7,31
